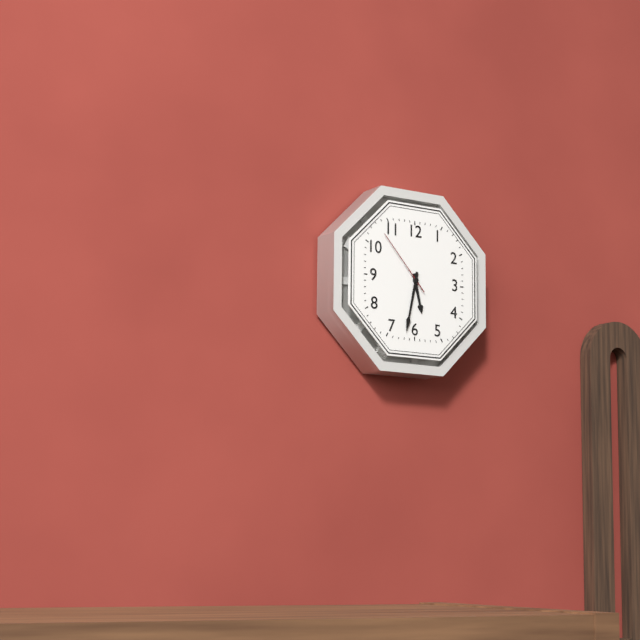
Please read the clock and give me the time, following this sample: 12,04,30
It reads 5,32,53
